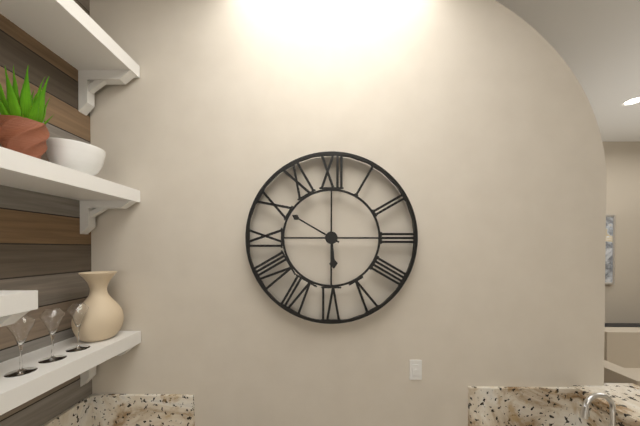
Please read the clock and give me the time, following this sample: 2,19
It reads 5,50
